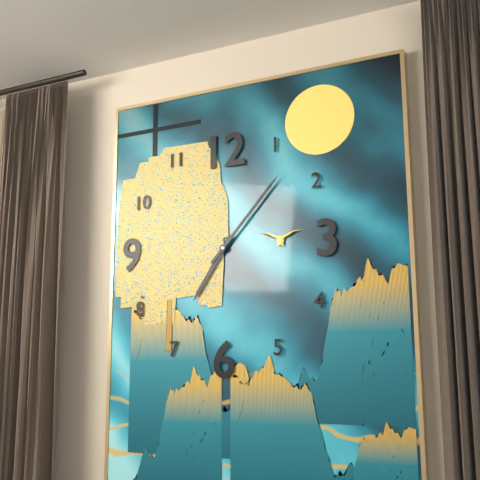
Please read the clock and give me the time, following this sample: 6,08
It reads 7,07
